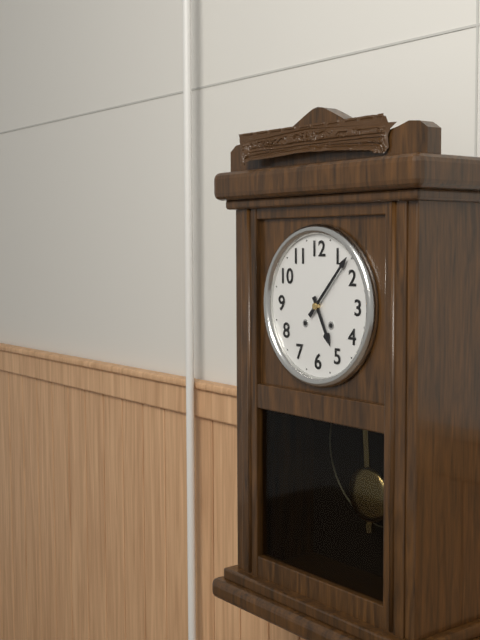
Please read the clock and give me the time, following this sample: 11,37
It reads 5,07
